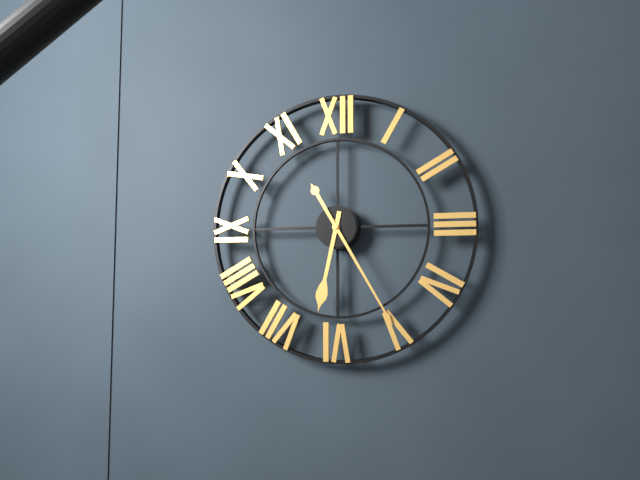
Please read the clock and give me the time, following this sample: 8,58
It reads 6,25
